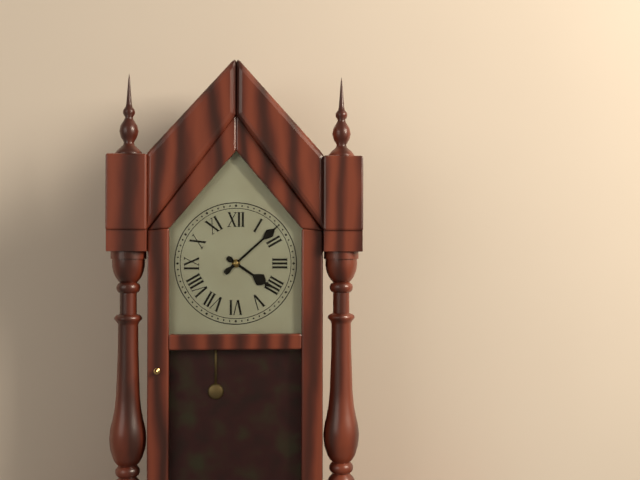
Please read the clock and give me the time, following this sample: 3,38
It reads 4,08
